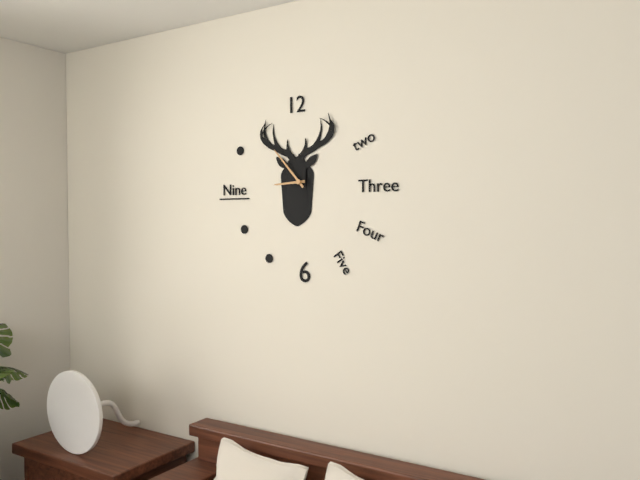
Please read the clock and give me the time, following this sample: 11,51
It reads 8,53
